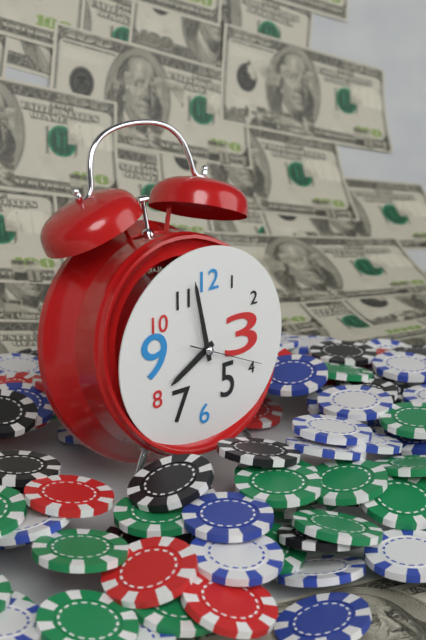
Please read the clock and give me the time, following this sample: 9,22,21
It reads 7,58,19
